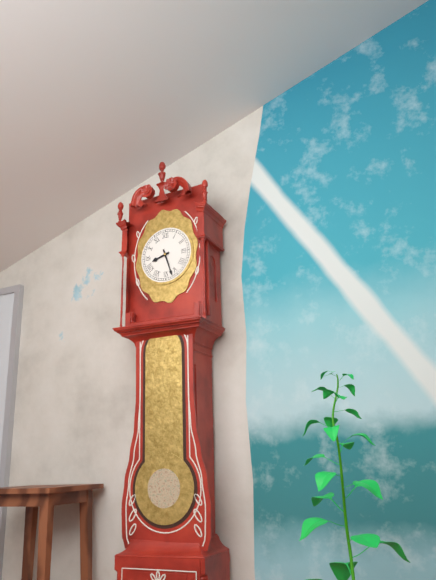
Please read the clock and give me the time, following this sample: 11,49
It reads 8,27
